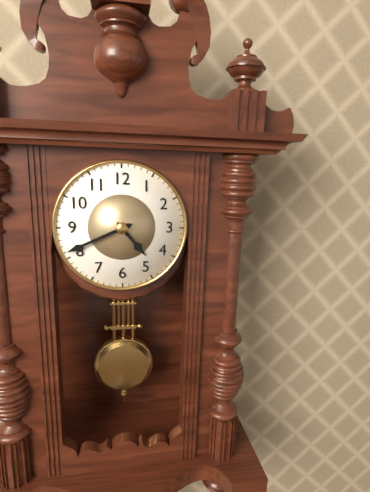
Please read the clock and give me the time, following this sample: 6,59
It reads 4,41
